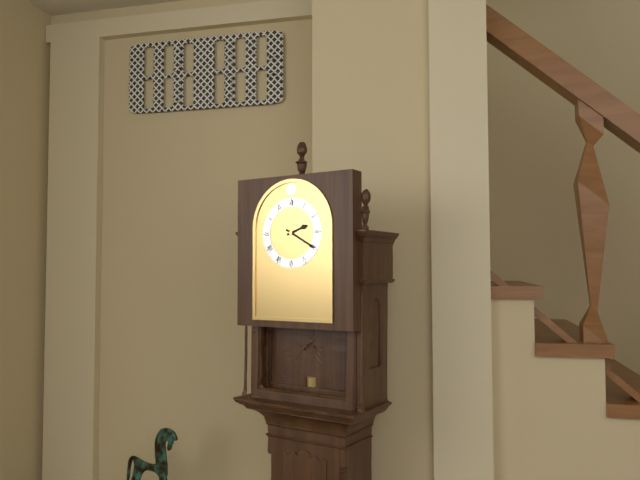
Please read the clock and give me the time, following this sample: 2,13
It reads 2,20
